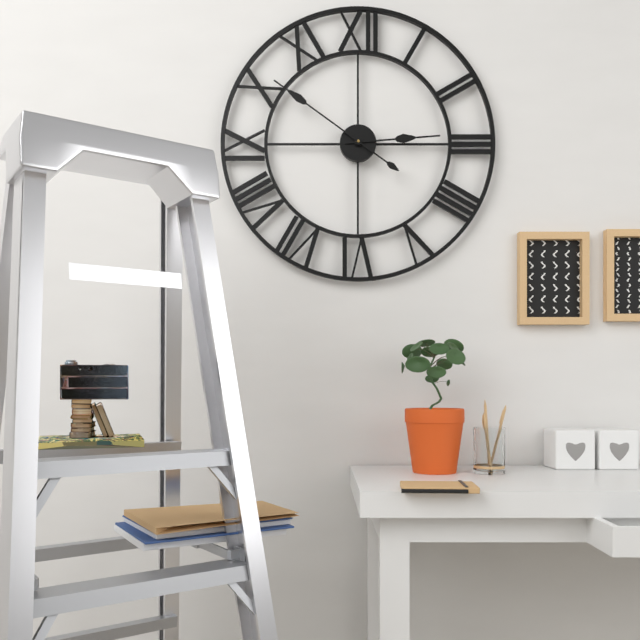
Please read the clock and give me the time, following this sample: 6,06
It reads 2,51
